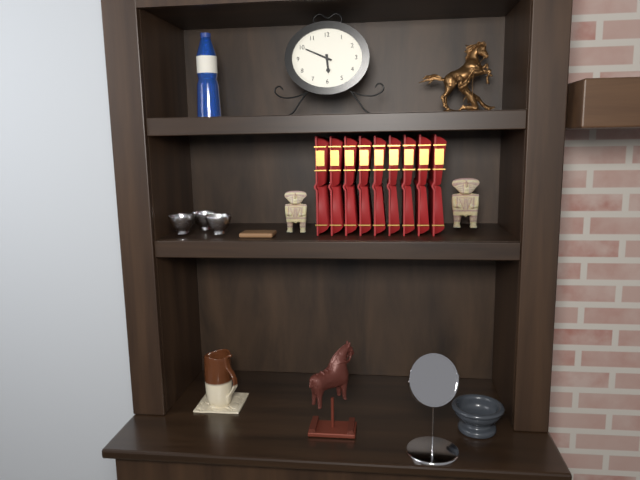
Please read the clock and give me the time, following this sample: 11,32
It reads 5,49
